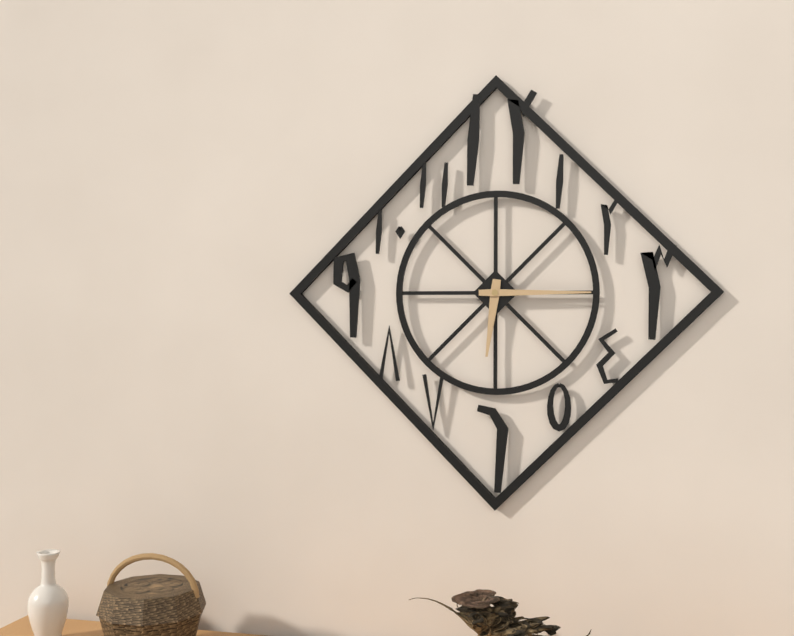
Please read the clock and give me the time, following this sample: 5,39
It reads 6,15
